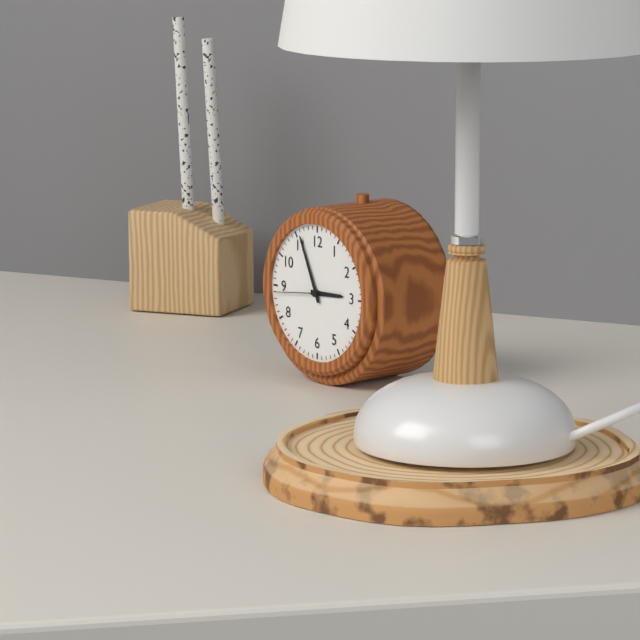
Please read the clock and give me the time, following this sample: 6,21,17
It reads 2,56,44
